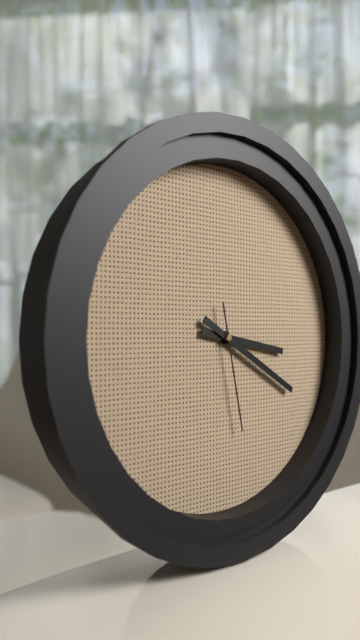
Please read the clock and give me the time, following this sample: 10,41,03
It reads 3,20,28
